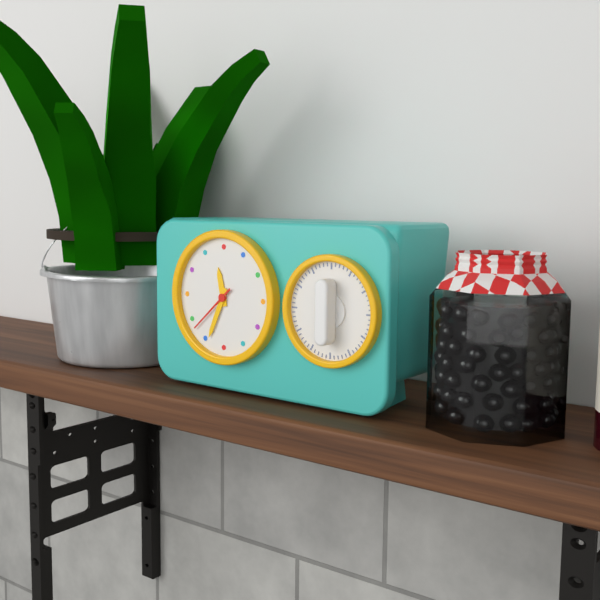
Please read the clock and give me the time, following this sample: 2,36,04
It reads 11,34,38
